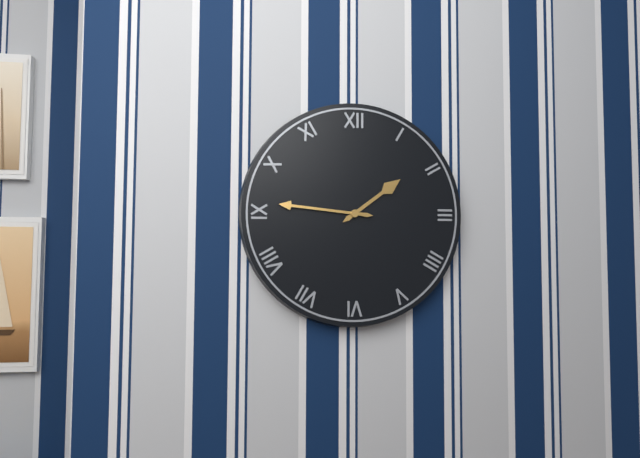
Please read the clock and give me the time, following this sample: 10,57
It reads 1,46
